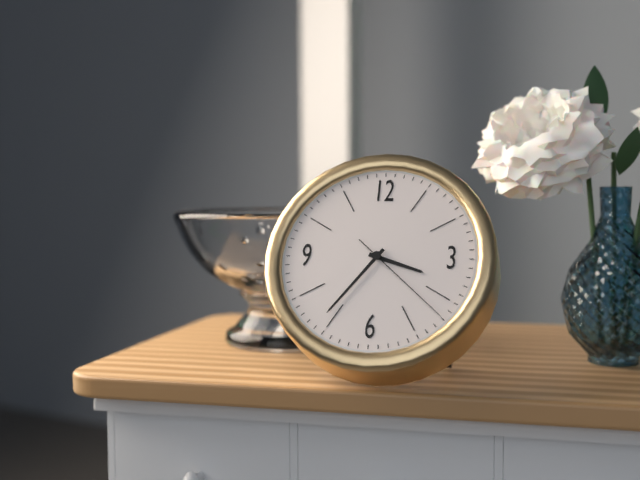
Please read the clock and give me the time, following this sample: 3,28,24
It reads 3,36,22
